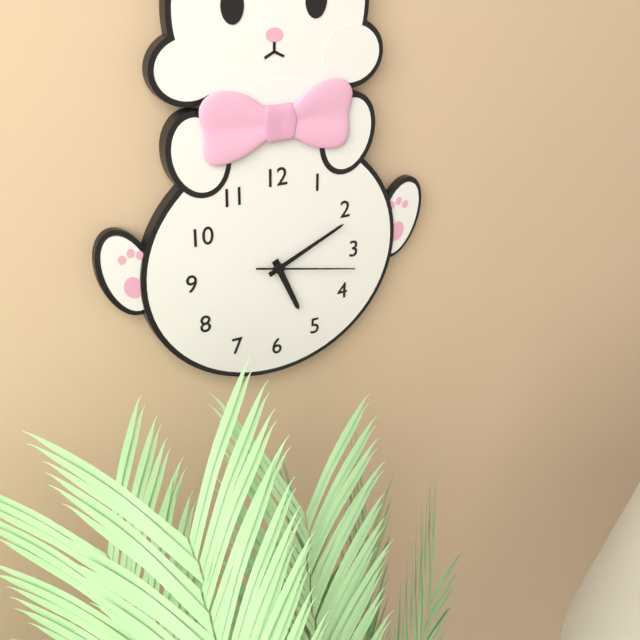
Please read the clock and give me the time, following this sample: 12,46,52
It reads 5,11,17
